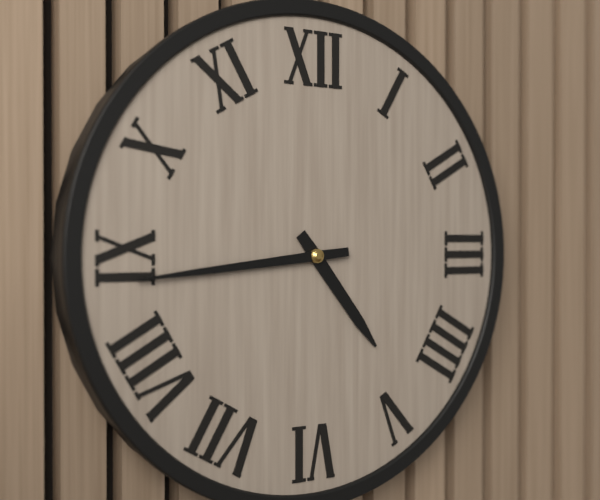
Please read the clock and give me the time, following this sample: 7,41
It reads 4,44
